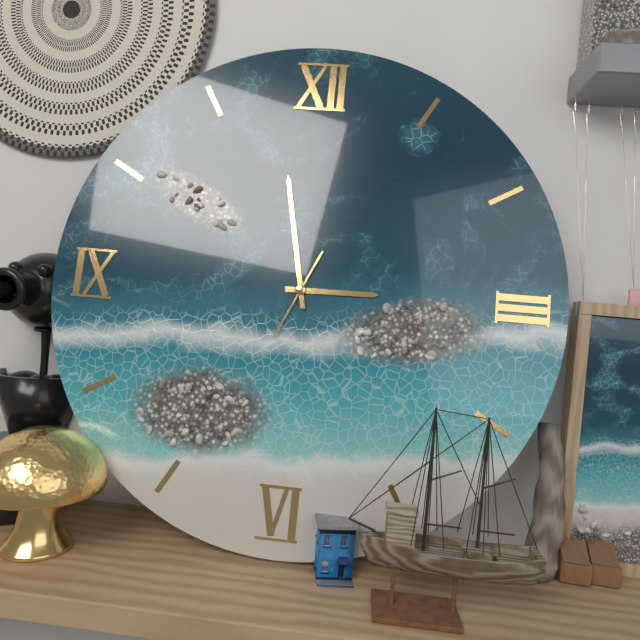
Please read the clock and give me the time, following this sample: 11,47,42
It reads 2,58,34
